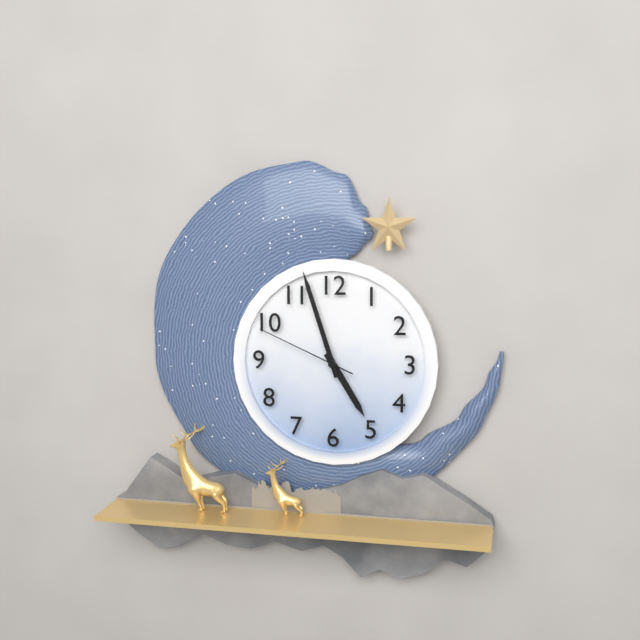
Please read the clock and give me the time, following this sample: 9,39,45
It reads 4,57,49
